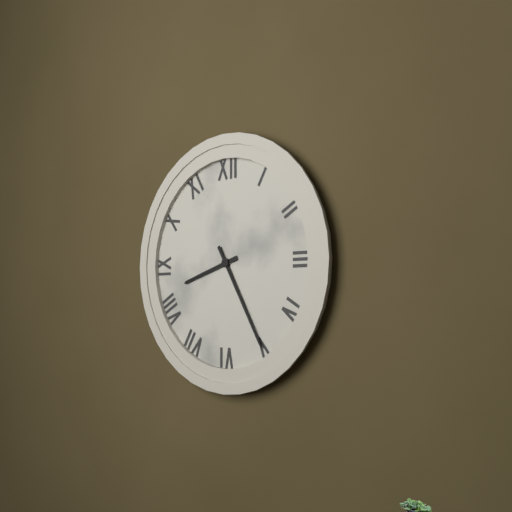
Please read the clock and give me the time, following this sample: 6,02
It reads 8,25
